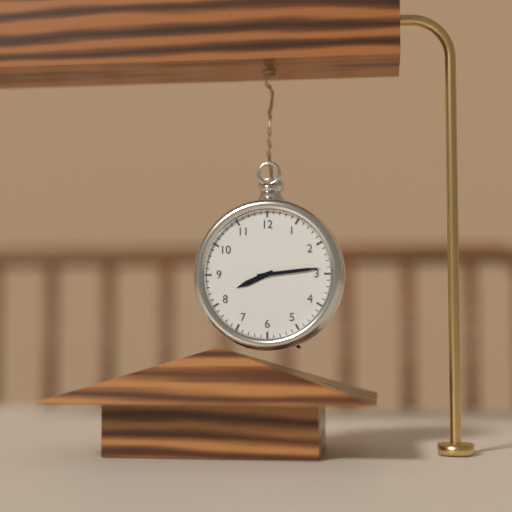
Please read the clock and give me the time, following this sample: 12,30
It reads 8,14
